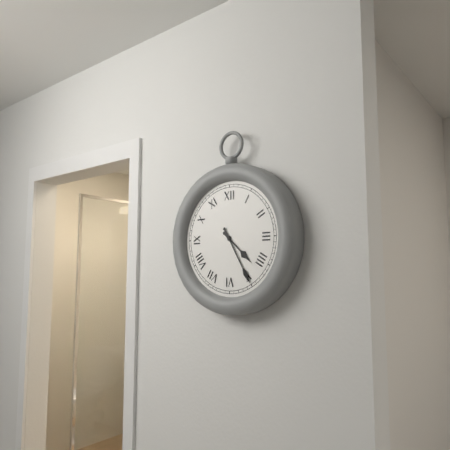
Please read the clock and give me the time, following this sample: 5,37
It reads 4,25
